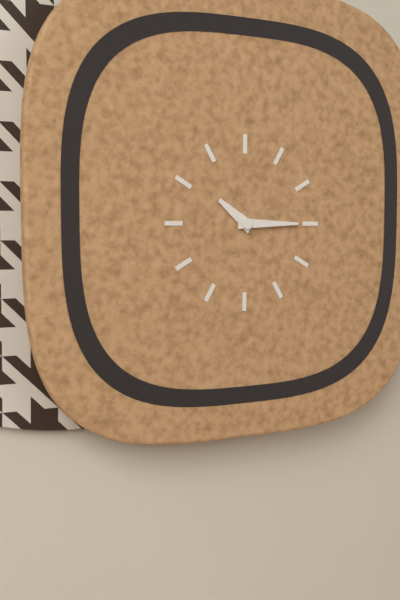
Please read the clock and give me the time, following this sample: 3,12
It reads 10,15
